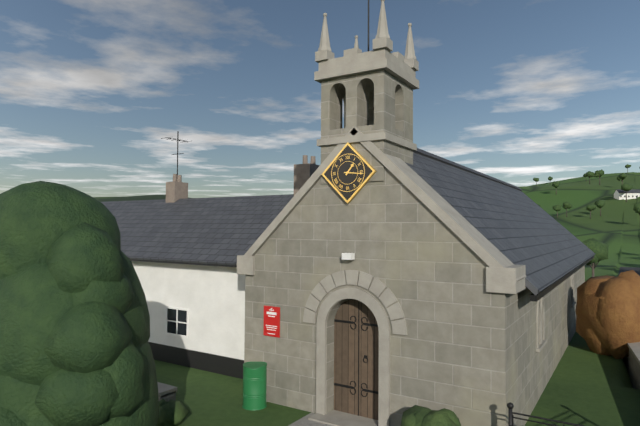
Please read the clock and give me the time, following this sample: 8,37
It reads 1,16
